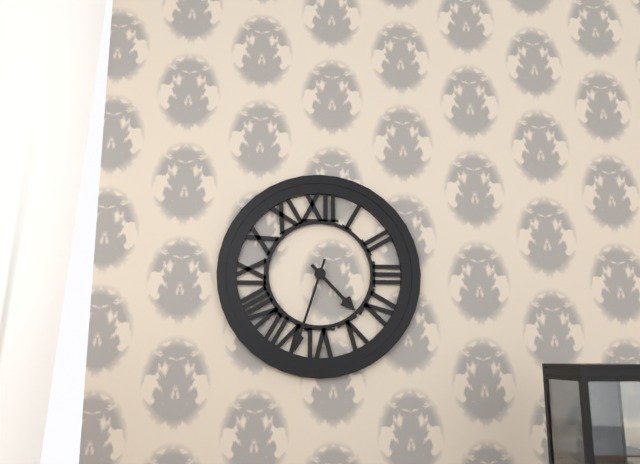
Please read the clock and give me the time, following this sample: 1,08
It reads 4,33
